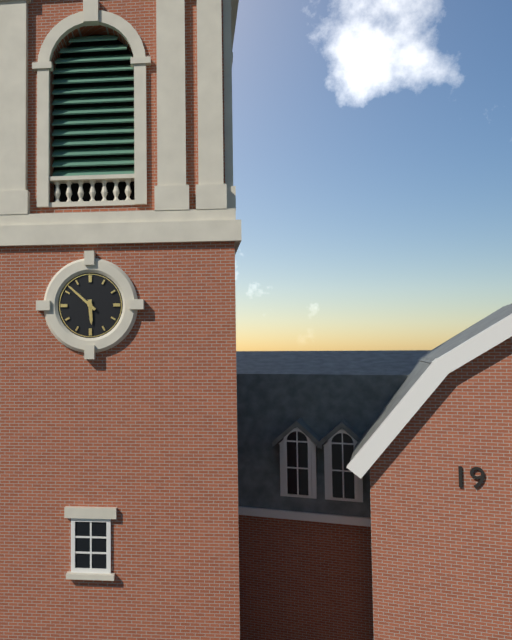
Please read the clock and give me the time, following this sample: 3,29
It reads 5,52
